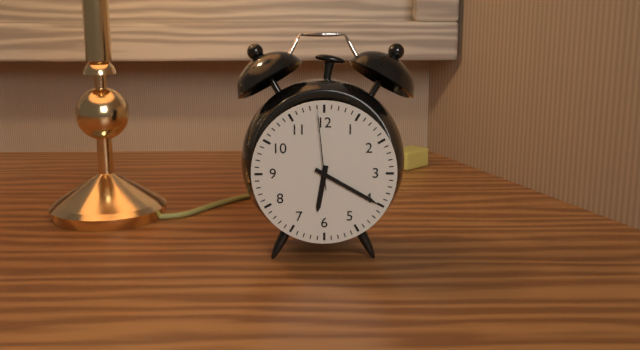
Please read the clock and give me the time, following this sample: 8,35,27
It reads 6,20,59
